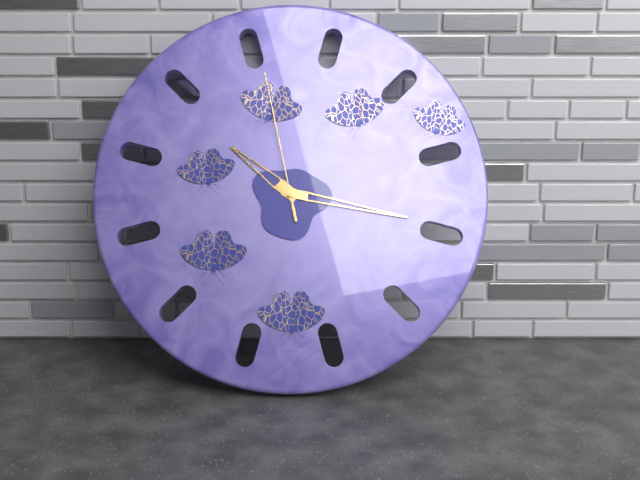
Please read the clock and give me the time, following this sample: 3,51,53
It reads 10,17,58
